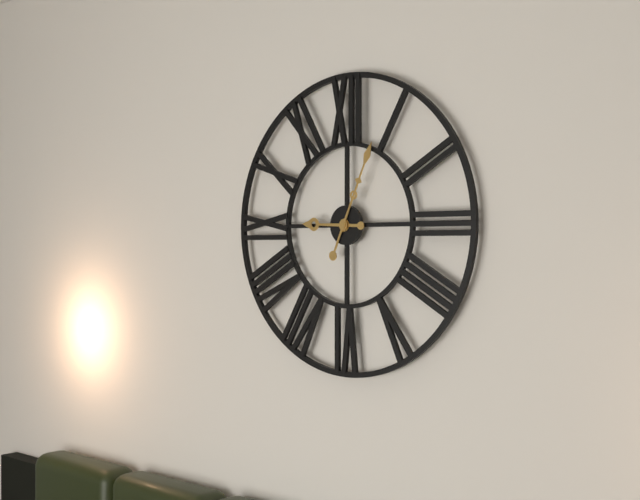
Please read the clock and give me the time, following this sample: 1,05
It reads 9,04
